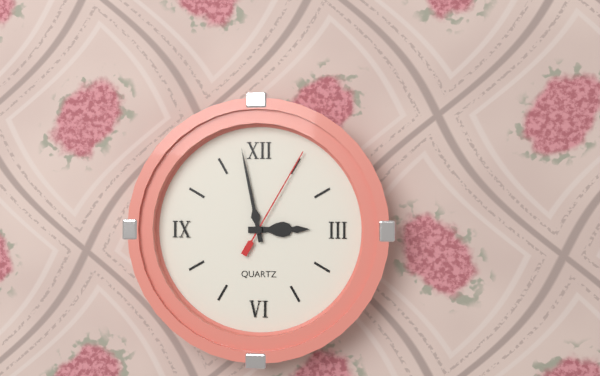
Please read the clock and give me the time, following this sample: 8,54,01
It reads 2,58,05
